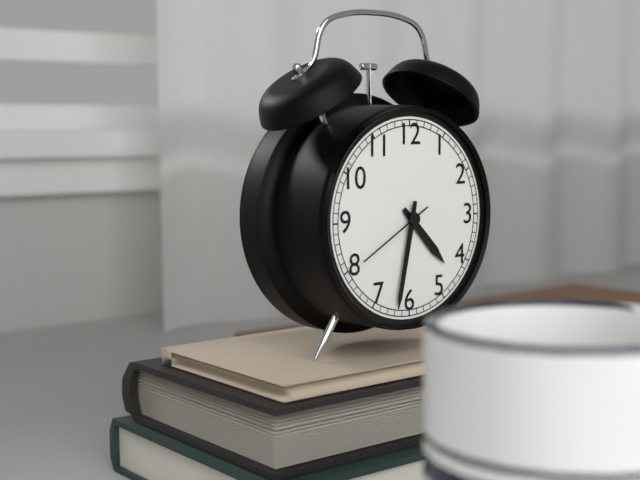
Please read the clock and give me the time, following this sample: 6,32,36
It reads 4,32,40
